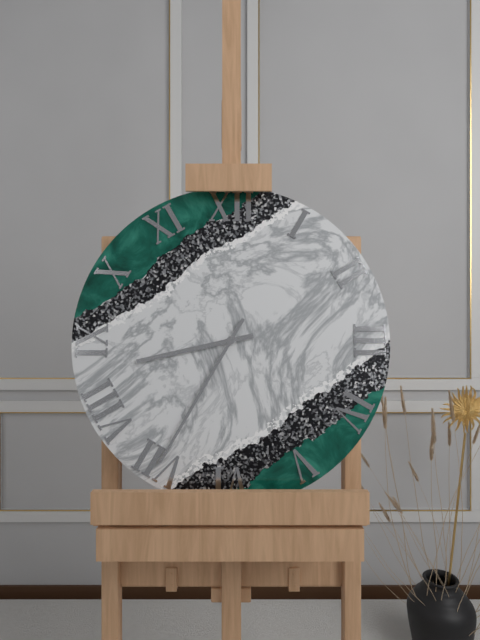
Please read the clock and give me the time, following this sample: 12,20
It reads 8,35
